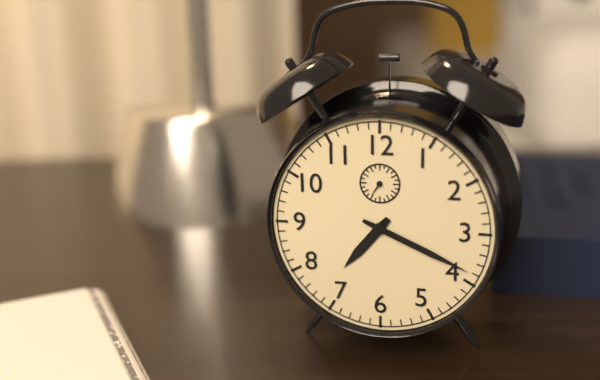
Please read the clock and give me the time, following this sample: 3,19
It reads 7,19
